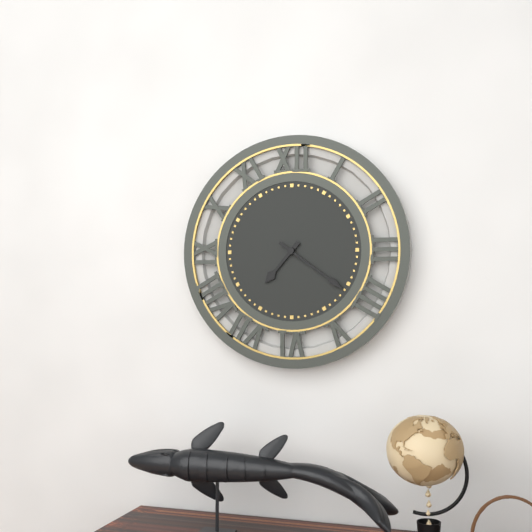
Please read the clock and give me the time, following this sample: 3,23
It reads 7,21
